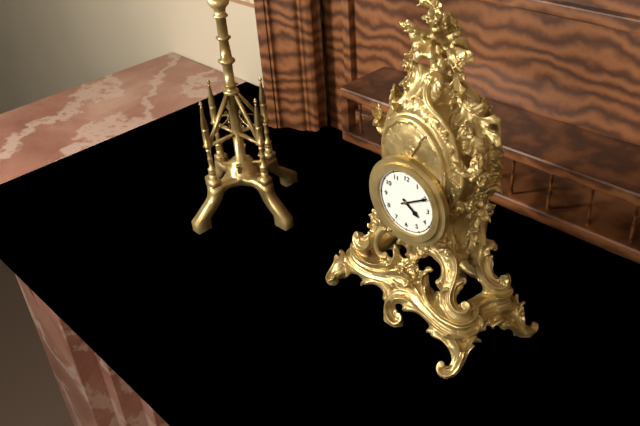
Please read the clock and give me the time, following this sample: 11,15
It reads 4,10
